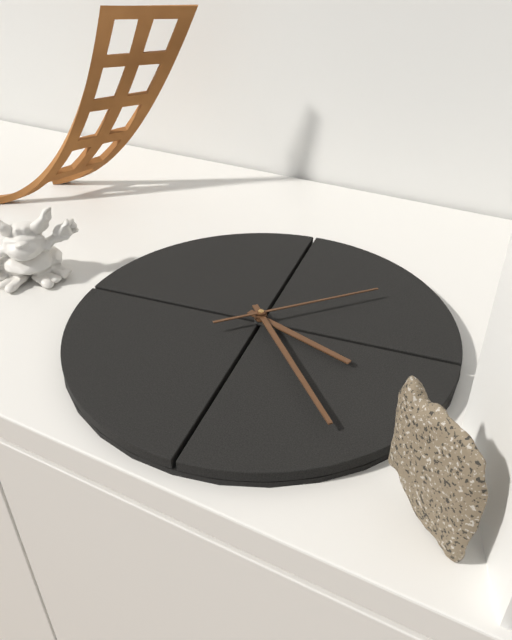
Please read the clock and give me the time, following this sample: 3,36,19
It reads 4,27,12
